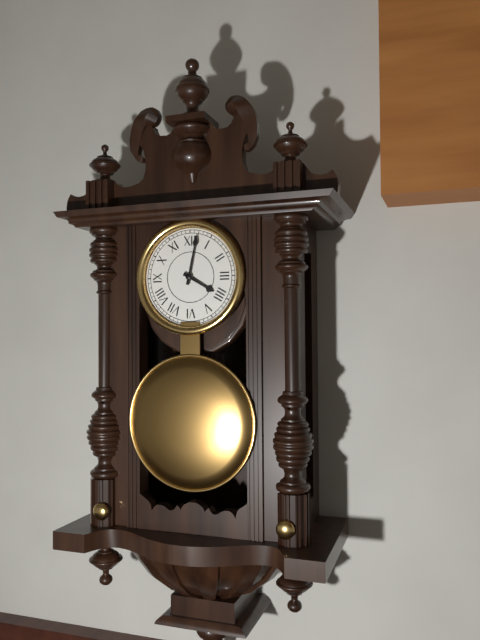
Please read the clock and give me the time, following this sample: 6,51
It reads 4,02
